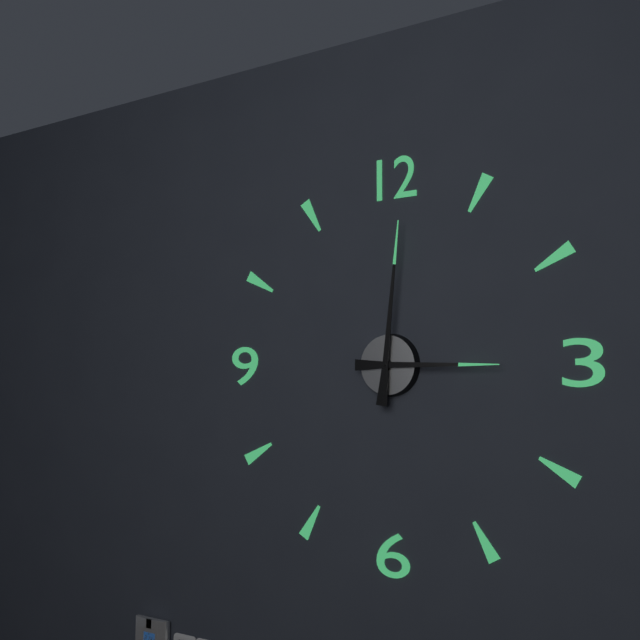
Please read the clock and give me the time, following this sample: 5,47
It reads 3,01
